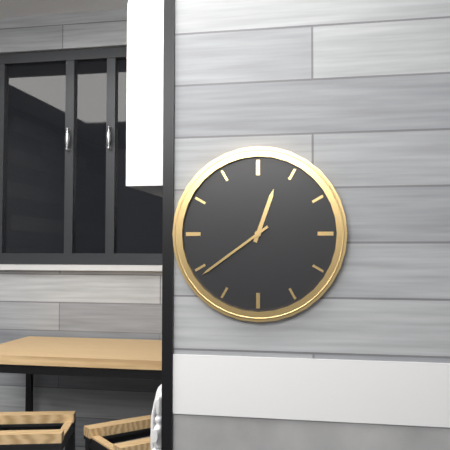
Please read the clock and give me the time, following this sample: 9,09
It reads 12,39
